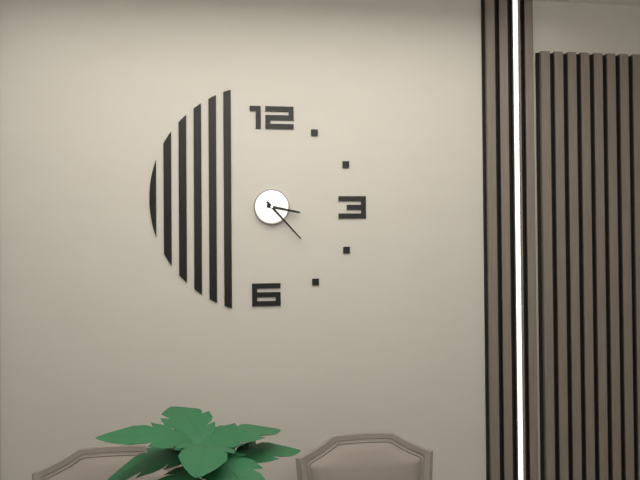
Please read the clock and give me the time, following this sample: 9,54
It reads 3,23
